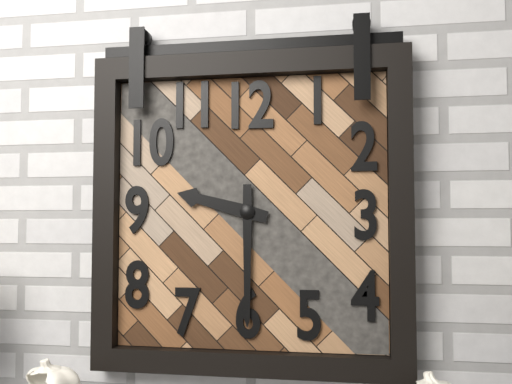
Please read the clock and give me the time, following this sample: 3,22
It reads 9,30
